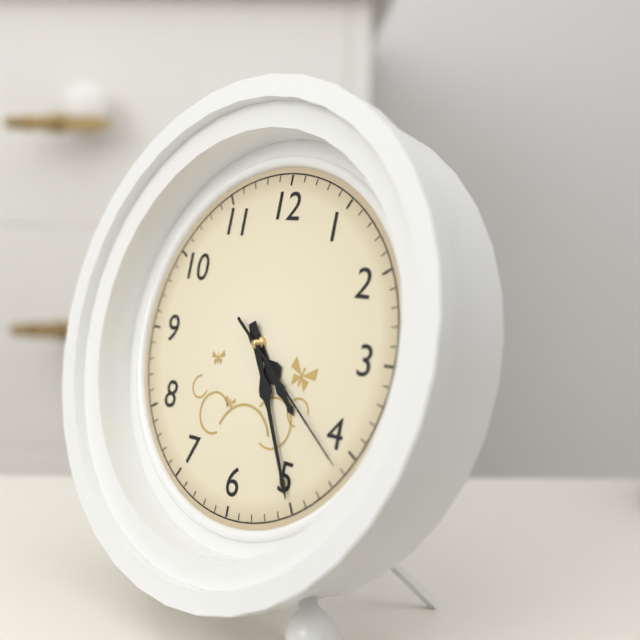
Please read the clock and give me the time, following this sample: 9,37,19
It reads 4,25,21
